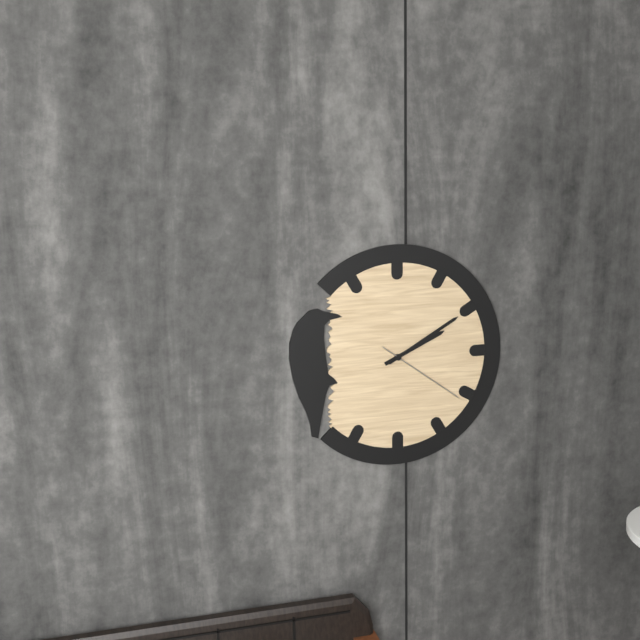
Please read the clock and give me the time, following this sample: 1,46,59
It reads 2,10,21
